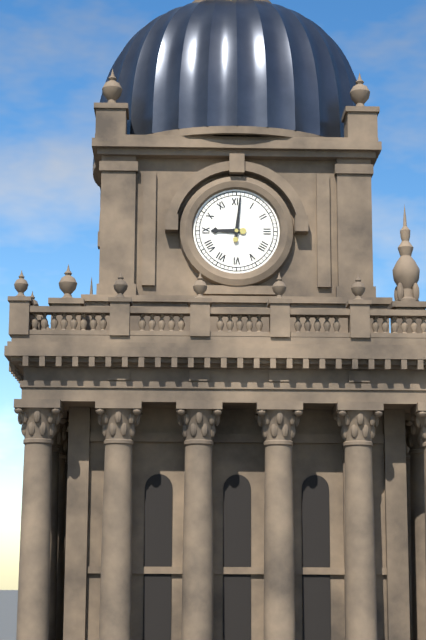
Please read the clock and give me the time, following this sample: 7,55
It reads 9,01
